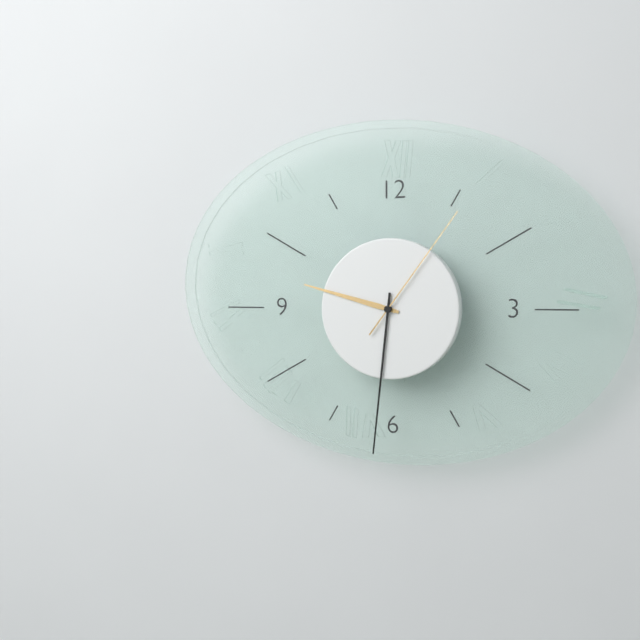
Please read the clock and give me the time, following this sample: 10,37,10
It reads 9,31,06
